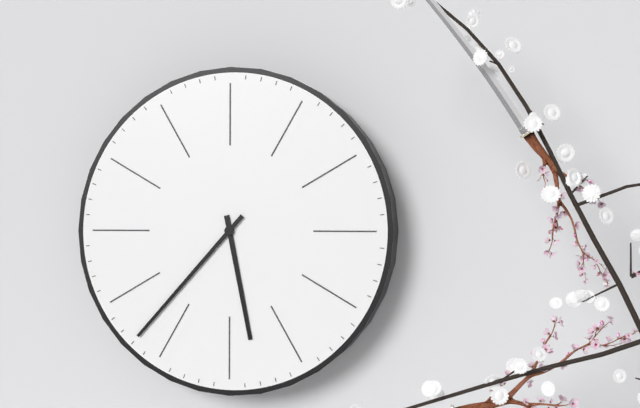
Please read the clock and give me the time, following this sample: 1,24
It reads 5,37
